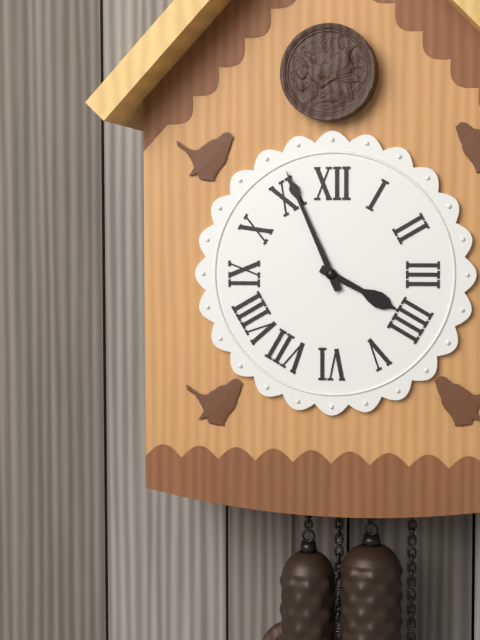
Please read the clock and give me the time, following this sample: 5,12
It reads 3,56
